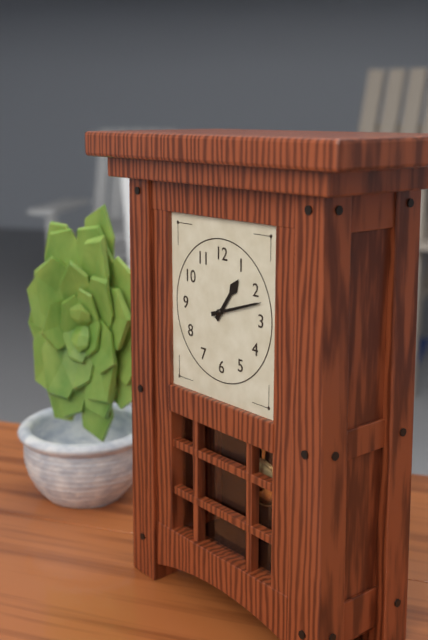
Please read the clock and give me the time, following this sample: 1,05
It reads 1,12
